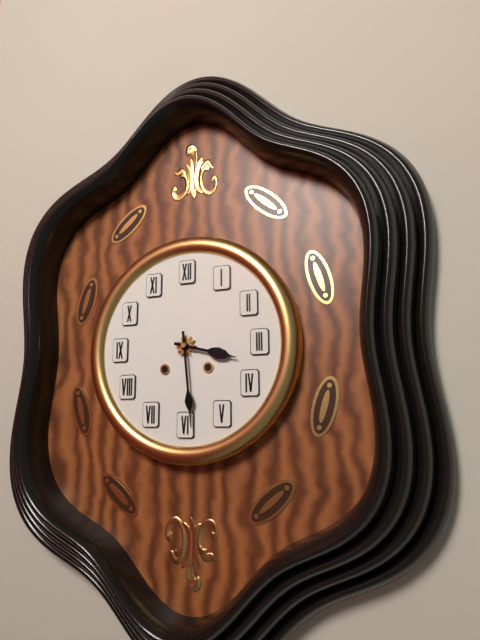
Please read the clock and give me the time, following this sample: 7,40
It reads 3,29
